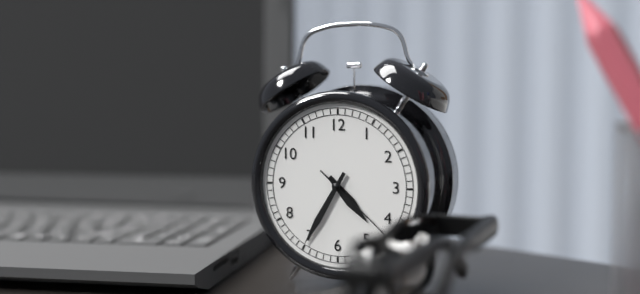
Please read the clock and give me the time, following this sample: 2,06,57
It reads 4,35,22
